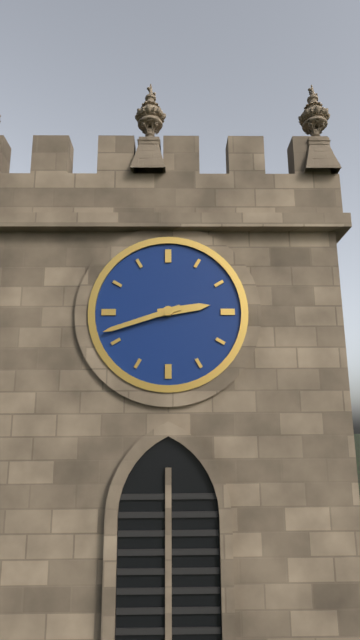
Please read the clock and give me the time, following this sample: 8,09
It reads 2,42
